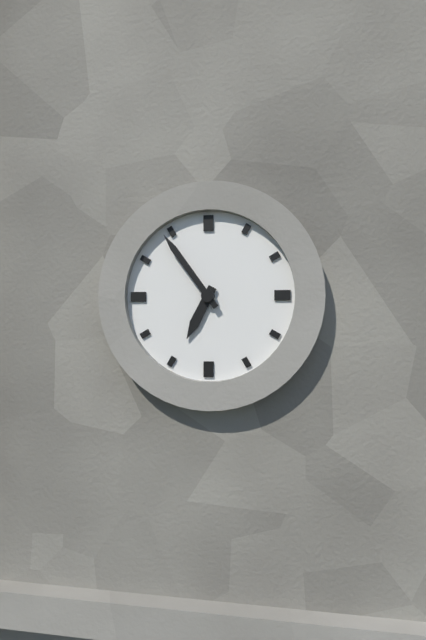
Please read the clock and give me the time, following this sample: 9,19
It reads 6,54
